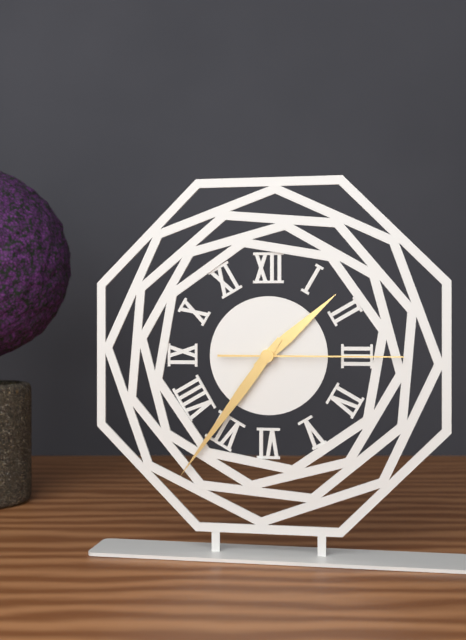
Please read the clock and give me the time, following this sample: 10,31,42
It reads 1,36,15
